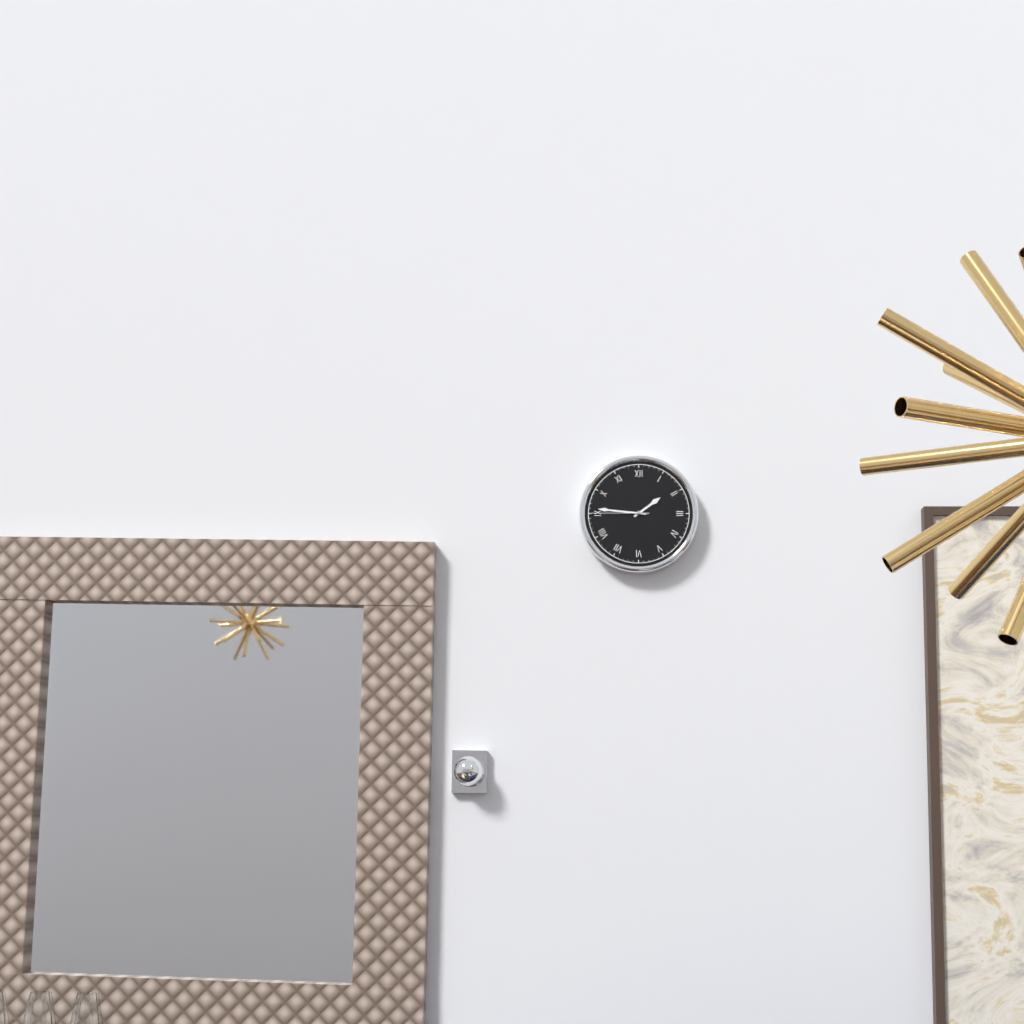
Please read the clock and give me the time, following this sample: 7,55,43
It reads 1,46,45
